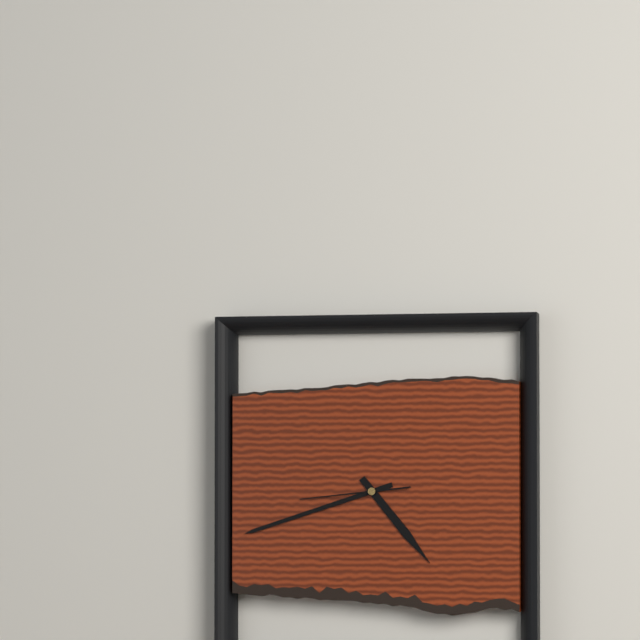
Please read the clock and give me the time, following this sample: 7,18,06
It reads 4,42,44
